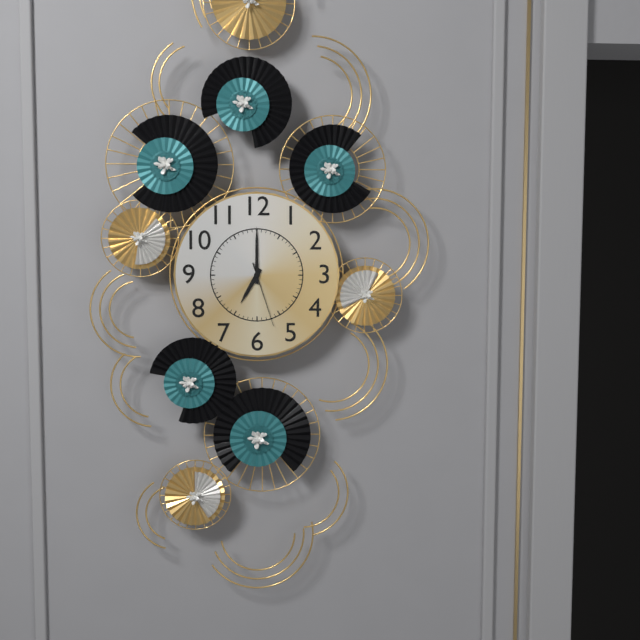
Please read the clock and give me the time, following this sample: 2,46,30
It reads 7,00,27
